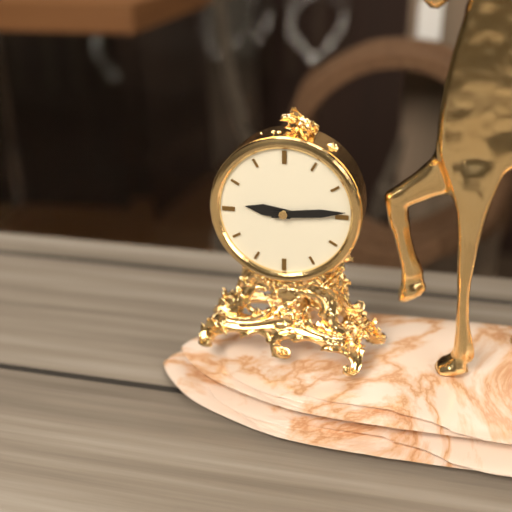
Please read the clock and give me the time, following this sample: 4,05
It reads 9,14
